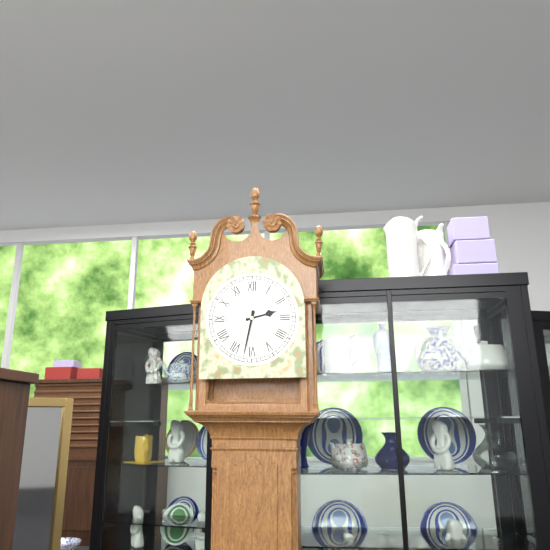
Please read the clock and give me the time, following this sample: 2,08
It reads 2,32
